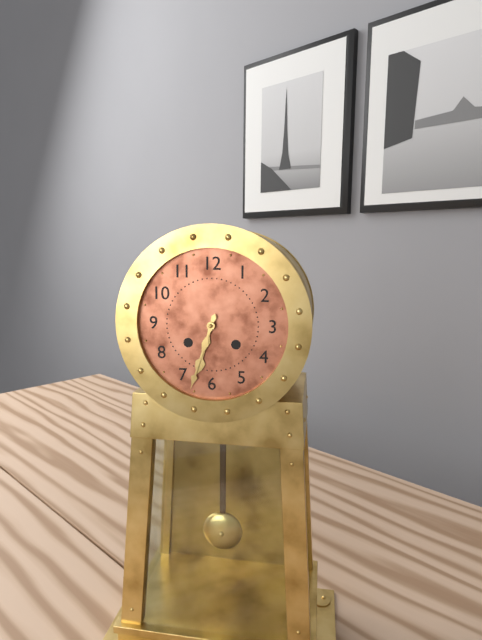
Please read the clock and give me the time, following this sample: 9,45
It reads 6,33
